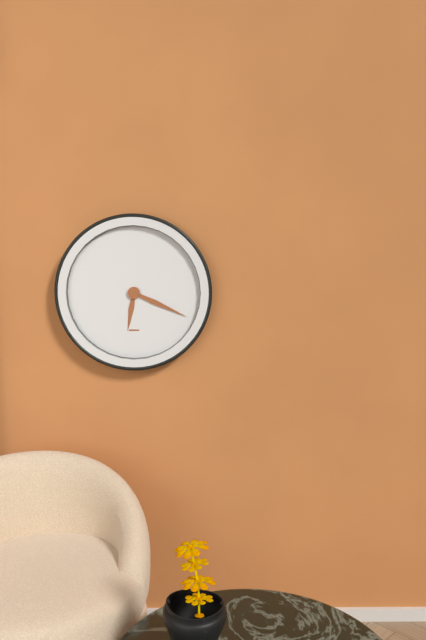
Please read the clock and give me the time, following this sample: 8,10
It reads 6,19
